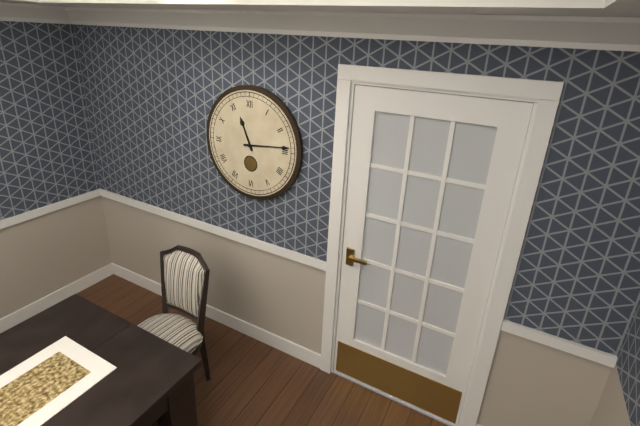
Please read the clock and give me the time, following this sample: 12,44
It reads 11,14
